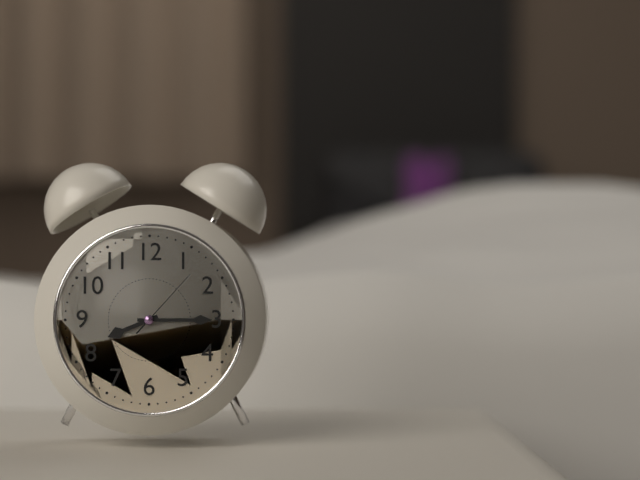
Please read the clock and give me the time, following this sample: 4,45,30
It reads 8,15,07
